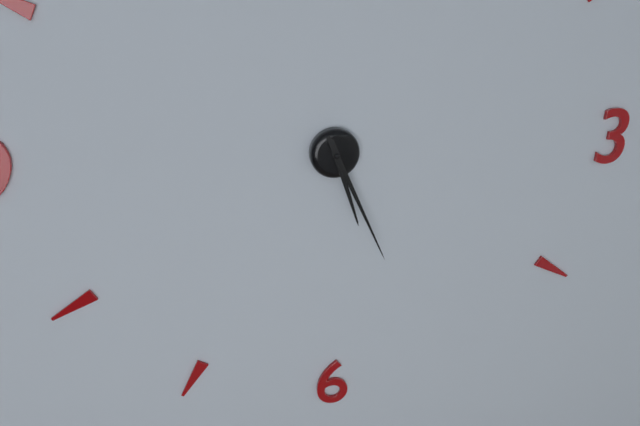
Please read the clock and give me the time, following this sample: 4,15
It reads 5,26
